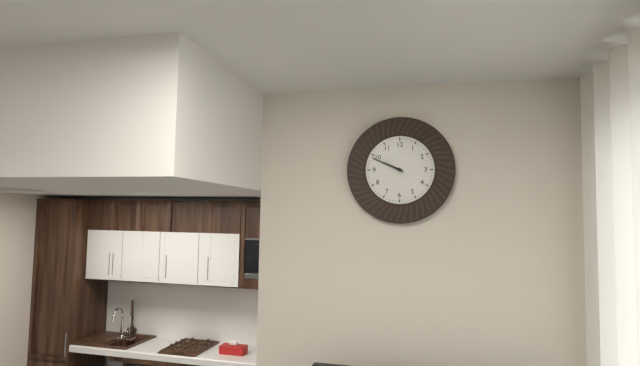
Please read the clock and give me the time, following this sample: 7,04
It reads 9,49
